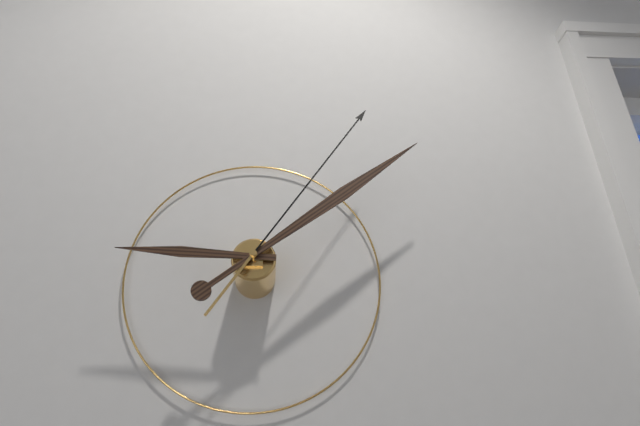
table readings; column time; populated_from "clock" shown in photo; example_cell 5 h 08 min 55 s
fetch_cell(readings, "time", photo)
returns 9 h 09 min 06 s
